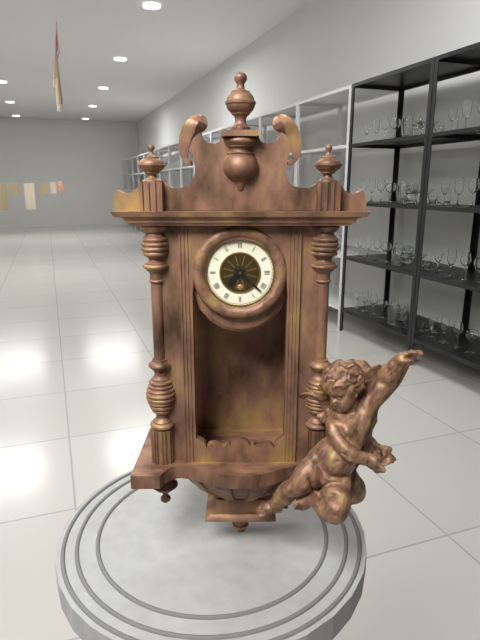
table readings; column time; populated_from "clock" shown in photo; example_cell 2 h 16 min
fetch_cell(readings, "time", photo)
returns 7 h 22 min
